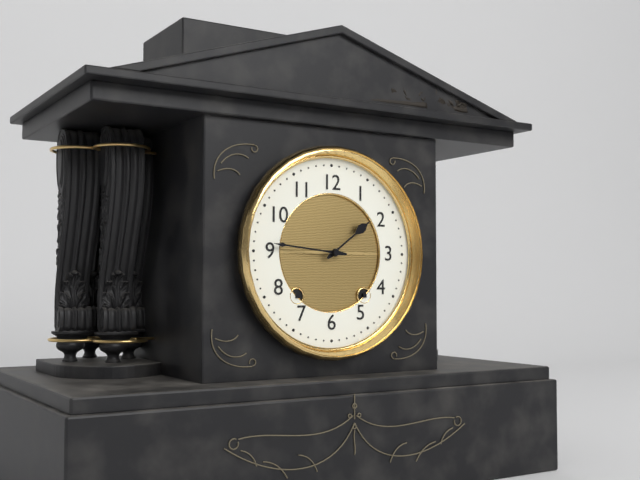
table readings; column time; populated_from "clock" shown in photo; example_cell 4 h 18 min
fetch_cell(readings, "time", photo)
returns 1 h 46 min
